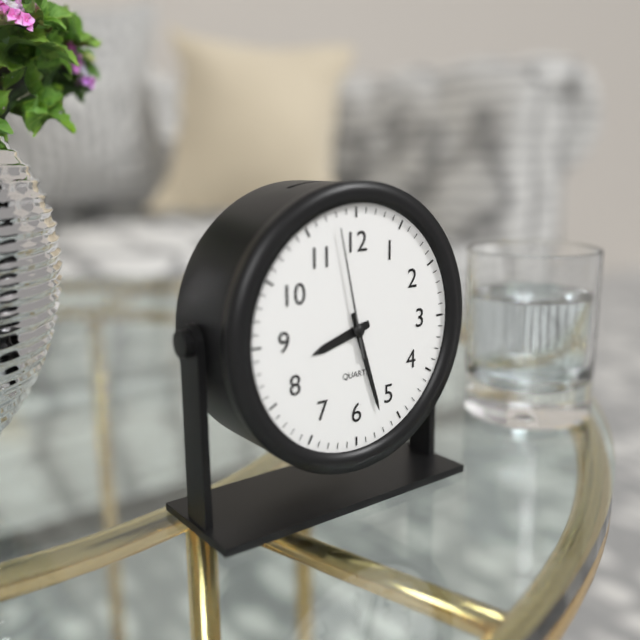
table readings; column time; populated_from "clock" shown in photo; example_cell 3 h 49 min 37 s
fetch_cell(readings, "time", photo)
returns 8 h 27 min 58 s
